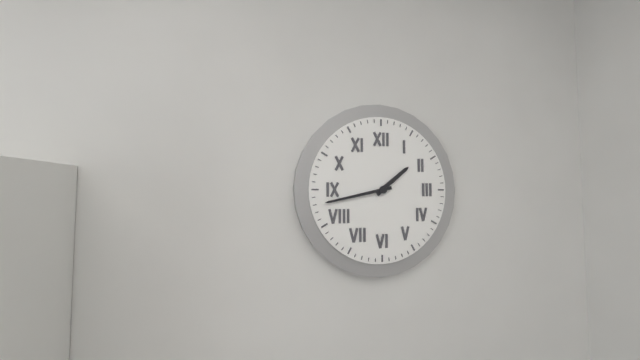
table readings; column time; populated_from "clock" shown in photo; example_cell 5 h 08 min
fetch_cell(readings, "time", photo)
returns 1 h 43 min
